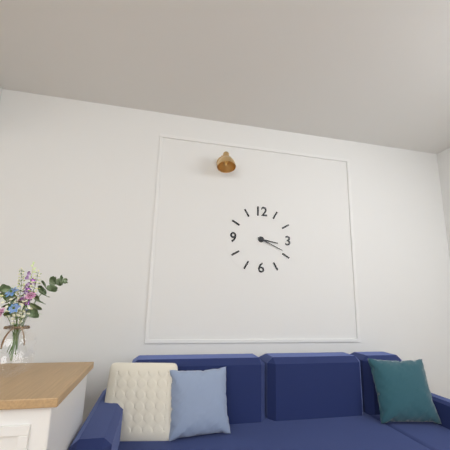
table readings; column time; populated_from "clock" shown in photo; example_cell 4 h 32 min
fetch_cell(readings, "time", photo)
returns 3 h 19 min
